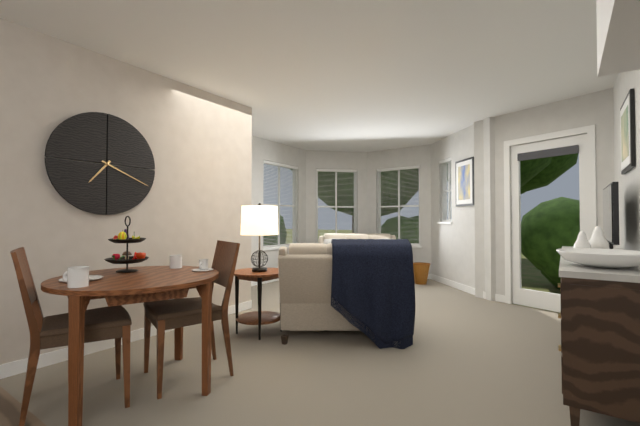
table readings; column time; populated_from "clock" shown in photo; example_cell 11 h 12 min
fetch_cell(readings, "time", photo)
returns 7 h 19 min
